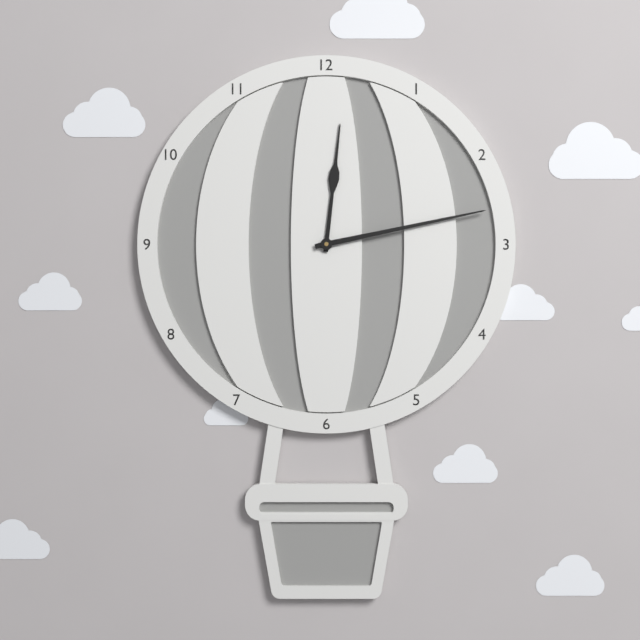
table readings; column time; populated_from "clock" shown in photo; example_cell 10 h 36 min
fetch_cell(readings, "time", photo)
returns 12 h 13 min
